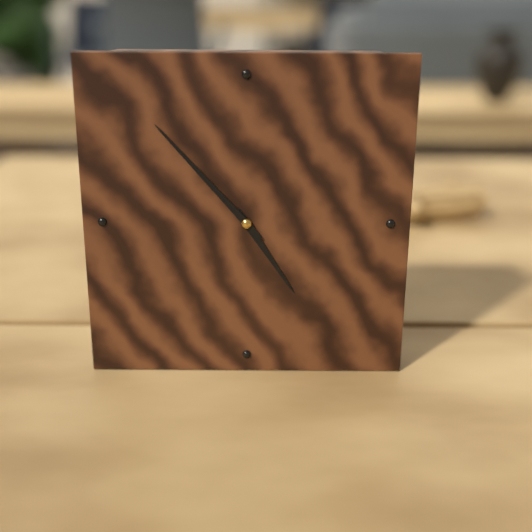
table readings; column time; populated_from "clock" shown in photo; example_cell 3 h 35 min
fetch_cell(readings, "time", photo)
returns 4 h 53 min
